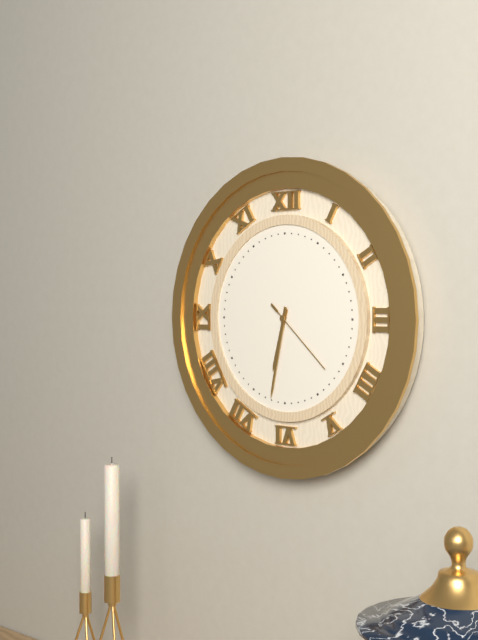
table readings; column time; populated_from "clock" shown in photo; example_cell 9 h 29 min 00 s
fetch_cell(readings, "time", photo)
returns 6 h 32 min 22 s
